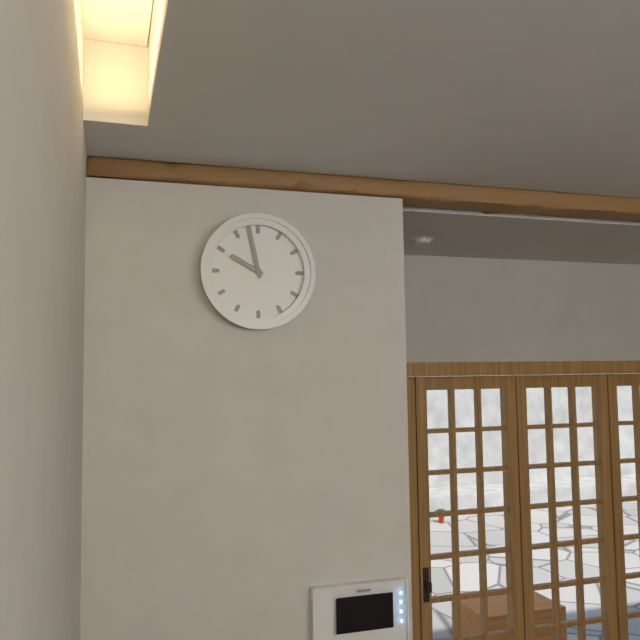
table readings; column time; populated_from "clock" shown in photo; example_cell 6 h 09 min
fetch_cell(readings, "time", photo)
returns 9 h 58 min
